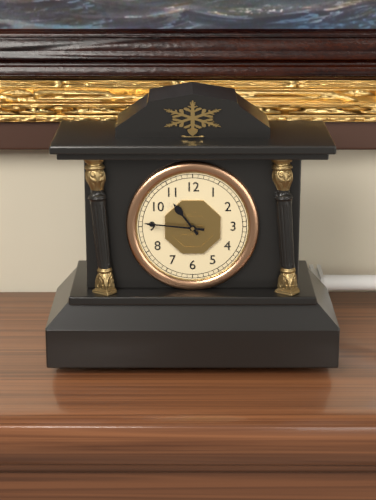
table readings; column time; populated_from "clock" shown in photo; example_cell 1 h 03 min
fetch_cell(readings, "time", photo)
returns 10 h 46 min
